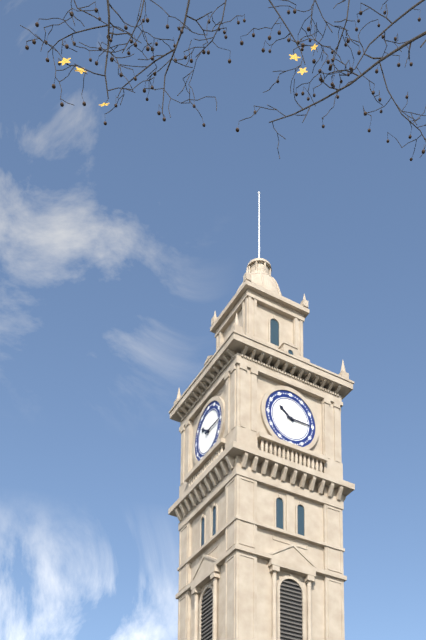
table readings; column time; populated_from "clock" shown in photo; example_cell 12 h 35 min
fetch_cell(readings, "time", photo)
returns 10 h 15 min
